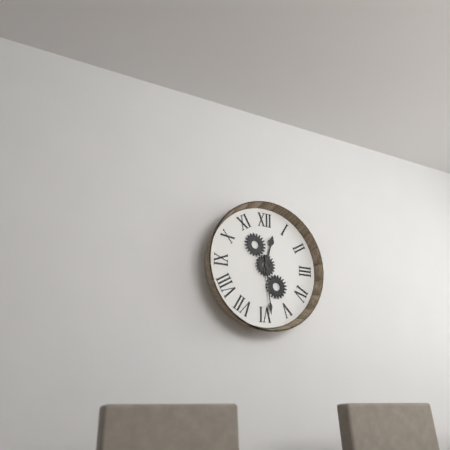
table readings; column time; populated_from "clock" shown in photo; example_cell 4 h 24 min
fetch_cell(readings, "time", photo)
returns 12 h 29 min
